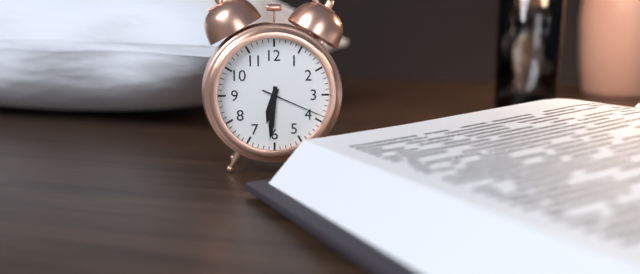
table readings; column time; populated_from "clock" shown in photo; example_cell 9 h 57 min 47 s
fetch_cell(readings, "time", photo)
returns 6 h 31 min 19 s
